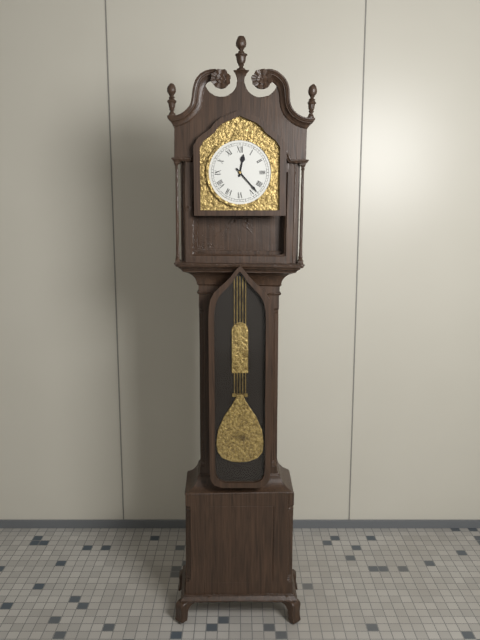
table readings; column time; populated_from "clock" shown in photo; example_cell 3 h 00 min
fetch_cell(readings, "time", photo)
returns 12 h 23 min
